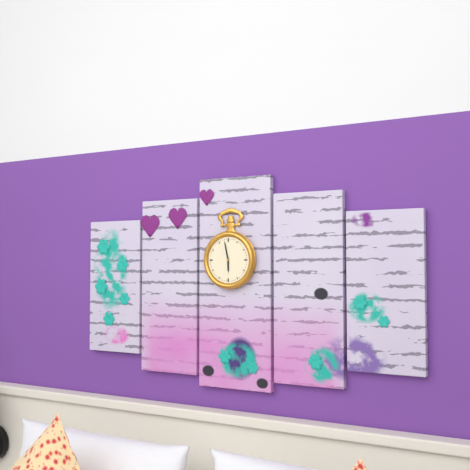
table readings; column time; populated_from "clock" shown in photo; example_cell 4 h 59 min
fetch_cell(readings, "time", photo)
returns 5 h 58 min
